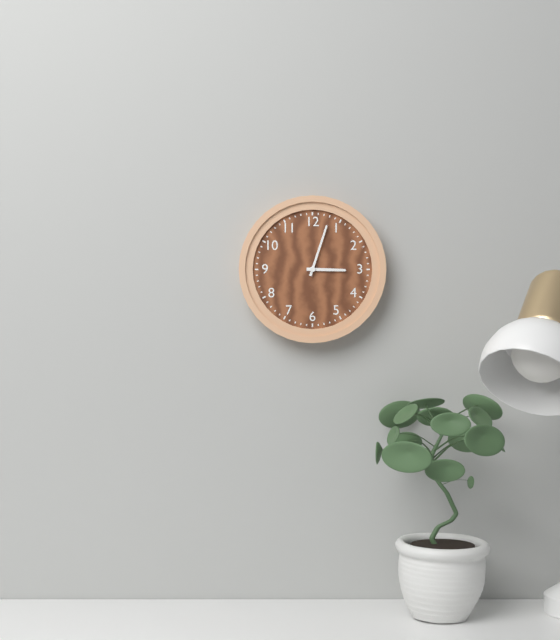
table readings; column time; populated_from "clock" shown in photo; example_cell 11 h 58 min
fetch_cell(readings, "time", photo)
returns 3 h 03 min
